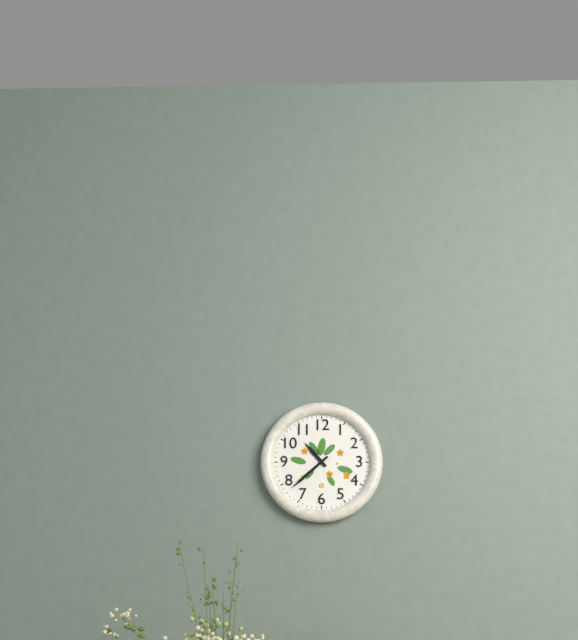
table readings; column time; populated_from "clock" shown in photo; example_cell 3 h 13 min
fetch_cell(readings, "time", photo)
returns 10 h 38 min
